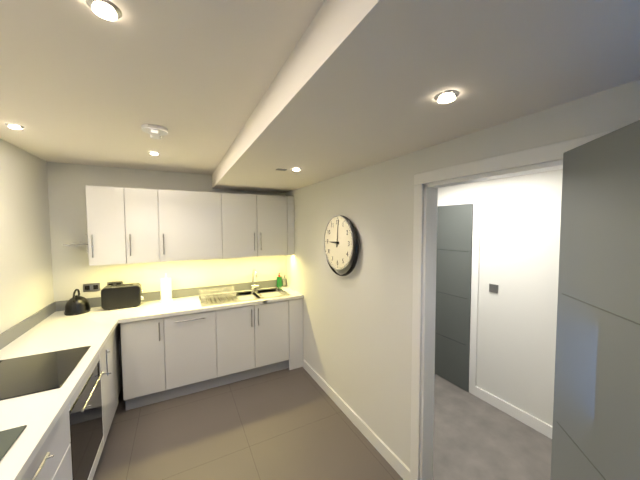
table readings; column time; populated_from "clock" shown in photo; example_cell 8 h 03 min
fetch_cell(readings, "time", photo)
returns 9 h 01 min
